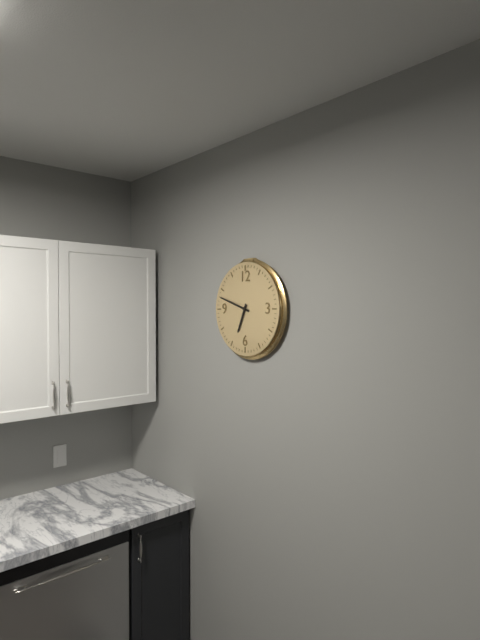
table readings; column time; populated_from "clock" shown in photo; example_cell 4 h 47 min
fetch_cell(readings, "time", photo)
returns 6 h 48 min
